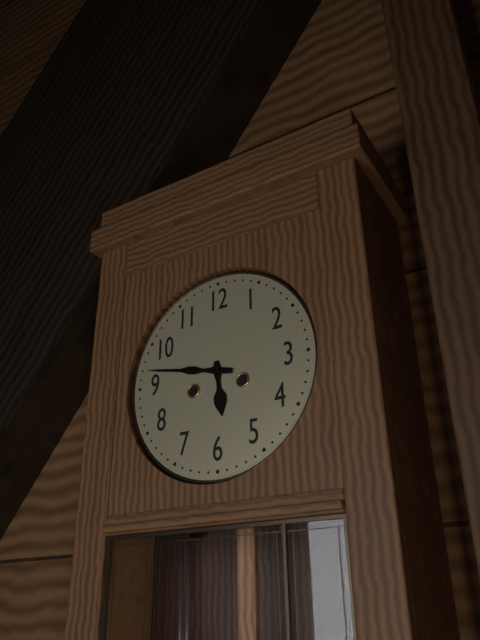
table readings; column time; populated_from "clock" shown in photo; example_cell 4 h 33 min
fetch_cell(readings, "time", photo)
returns 5 h 47 min
